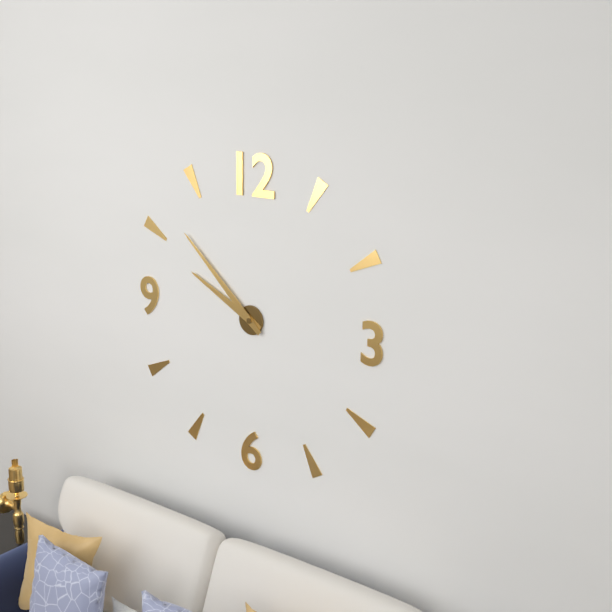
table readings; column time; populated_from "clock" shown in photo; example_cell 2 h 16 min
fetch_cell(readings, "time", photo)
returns 9 h 52 min
